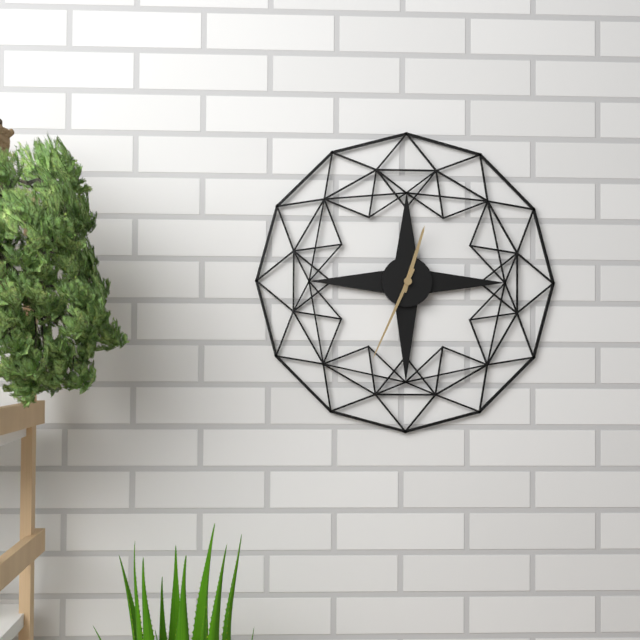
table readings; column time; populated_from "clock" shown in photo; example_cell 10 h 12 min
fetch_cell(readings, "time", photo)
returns 12 h 34 min
